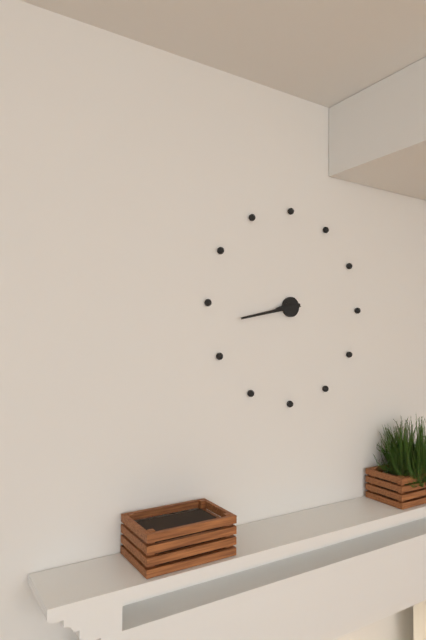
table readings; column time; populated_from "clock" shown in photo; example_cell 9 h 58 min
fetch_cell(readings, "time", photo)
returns 8 h 43 min
